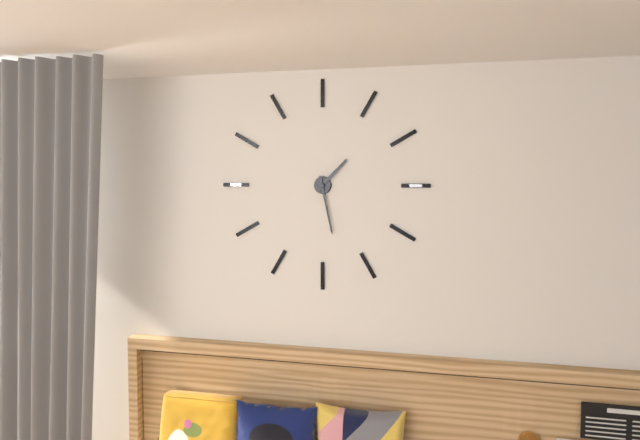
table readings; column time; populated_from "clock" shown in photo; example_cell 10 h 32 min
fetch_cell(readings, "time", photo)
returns 1 h 28 min
